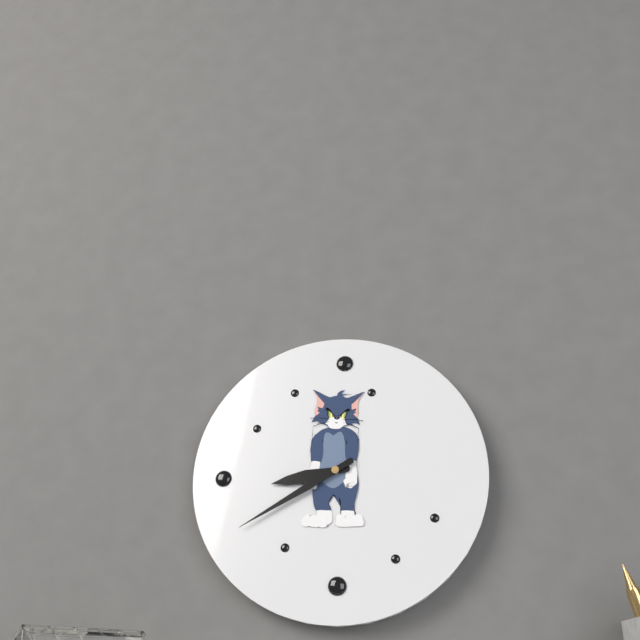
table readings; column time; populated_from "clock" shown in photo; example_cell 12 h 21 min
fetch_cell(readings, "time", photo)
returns 8 h 40 min
